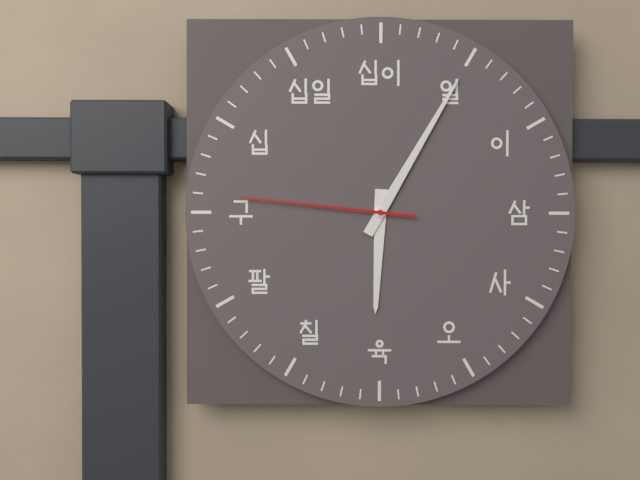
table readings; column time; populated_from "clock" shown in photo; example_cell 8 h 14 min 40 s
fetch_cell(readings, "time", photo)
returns 6 h 05 min 46 s
